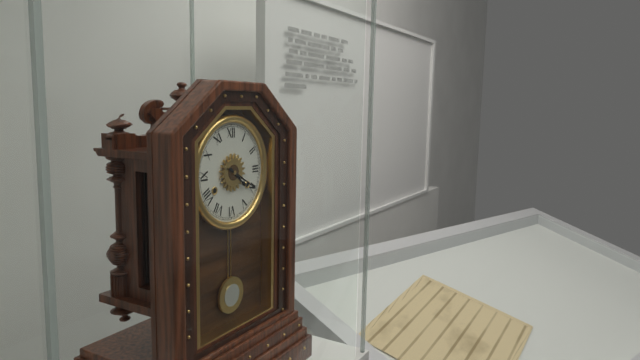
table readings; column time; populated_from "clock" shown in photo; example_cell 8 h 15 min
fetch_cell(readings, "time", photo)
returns 4 h 20 min
